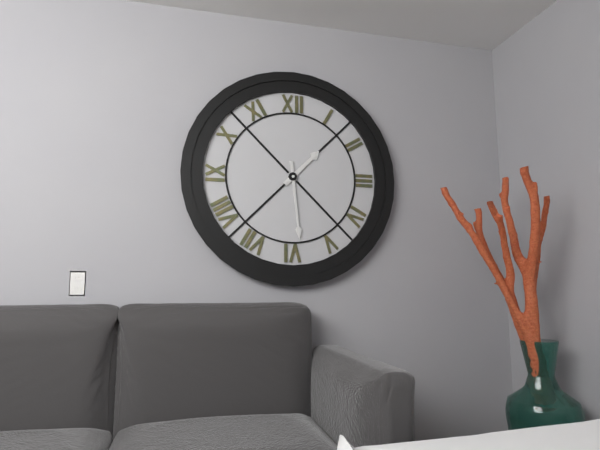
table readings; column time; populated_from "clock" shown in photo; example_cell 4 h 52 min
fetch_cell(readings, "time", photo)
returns 1 h 29 min
